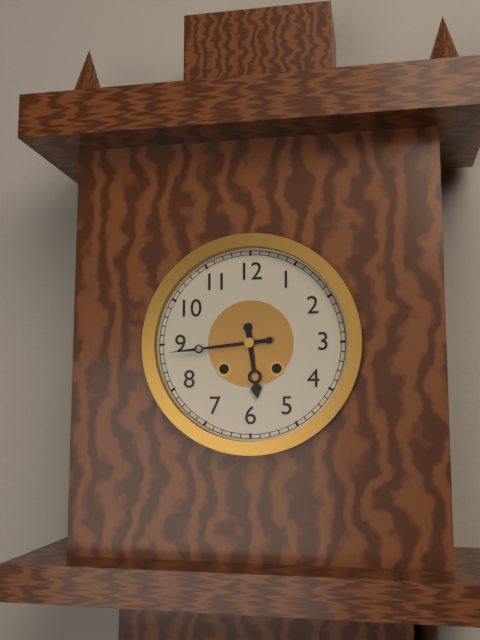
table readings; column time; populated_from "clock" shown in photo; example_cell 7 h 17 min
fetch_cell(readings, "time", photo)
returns 5 h 44 min
